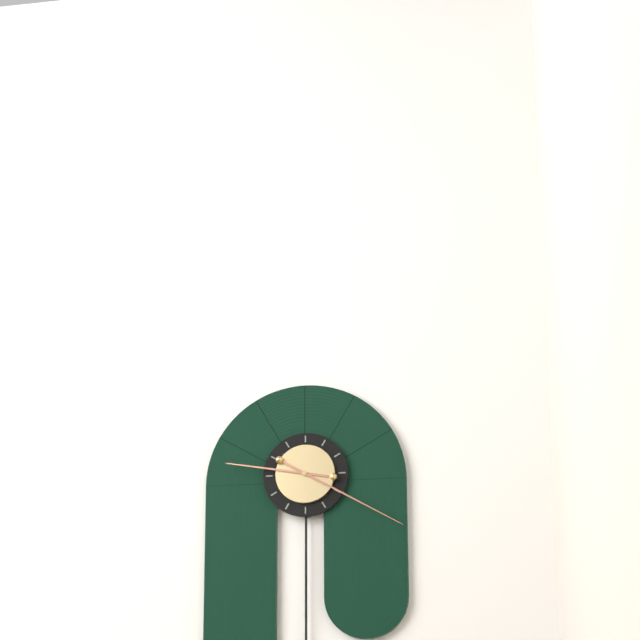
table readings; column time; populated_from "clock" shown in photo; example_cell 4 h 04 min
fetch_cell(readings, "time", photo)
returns 9 h 20 min
